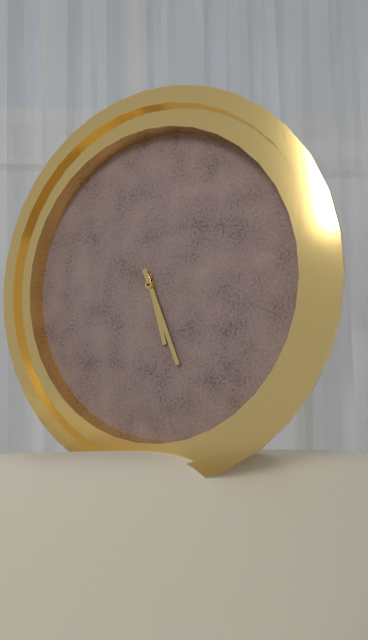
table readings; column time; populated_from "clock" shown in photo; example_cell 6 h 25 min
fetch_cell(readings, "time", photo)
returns 5 h 26 min
